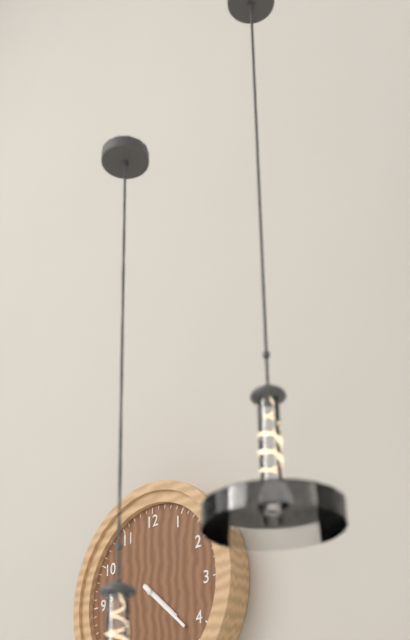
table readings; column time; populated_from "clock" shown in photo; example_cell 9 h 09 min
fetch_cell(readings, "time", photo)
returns 4 h 22 min
